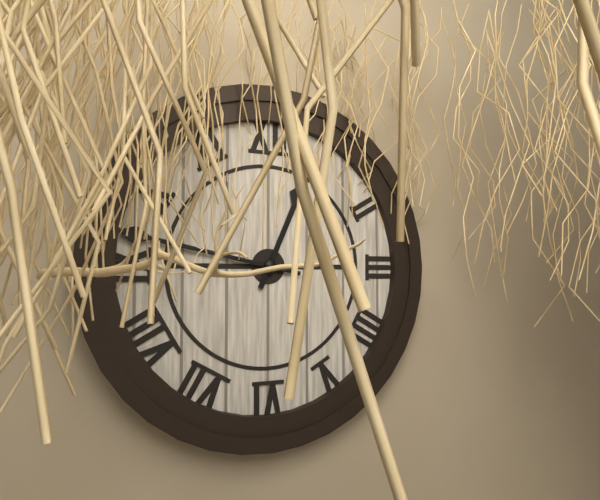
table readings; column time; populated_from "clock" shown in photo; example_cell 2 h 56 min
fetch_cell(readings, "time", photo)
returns 12 h 47 min
